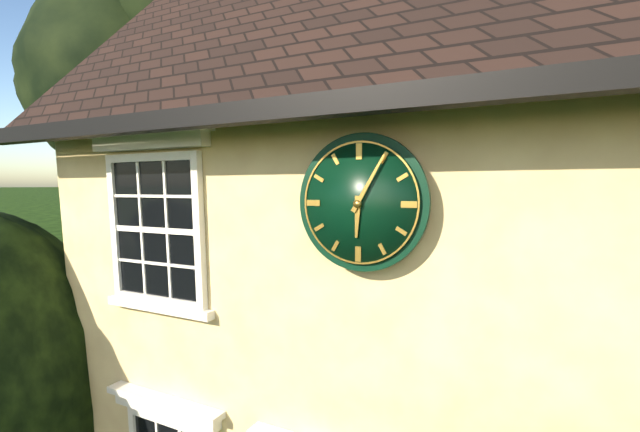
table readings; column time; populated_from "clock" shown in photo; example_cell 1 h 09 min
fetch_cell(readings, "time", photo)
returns 6 h 05 min
